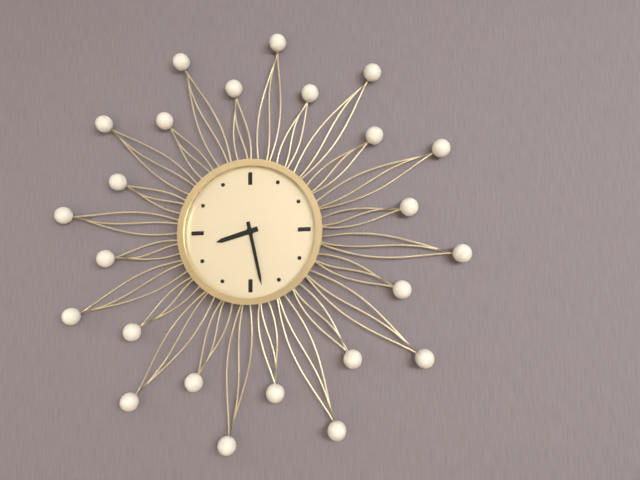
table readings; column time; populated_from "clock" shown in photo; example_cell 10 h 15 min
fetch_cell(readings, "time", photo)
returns 8 h 28 min
